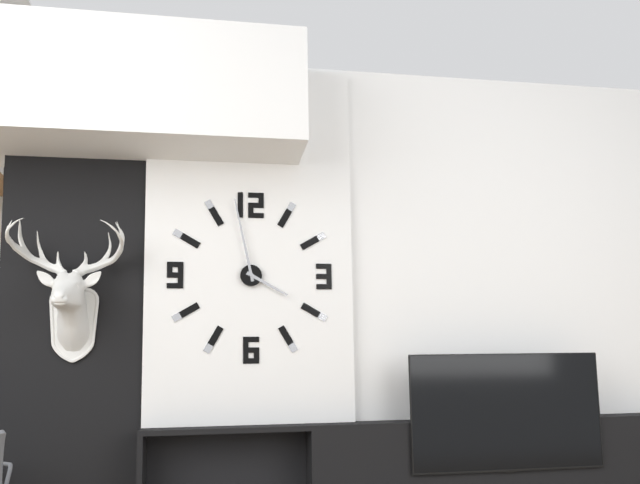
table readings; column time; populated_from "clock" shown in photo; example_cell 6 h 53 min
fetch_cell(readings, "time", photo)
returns 3 h 58 min
